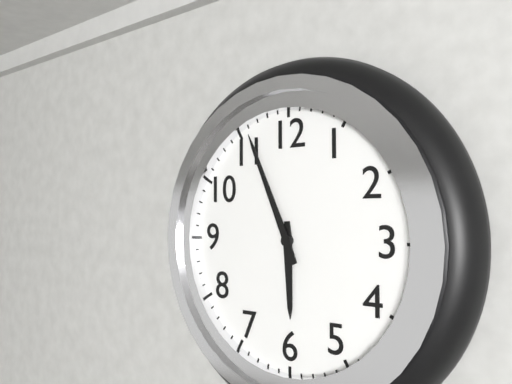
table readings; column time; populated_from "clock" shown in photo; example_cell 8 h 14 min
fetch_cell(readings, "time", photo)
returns 5 h 56 min
